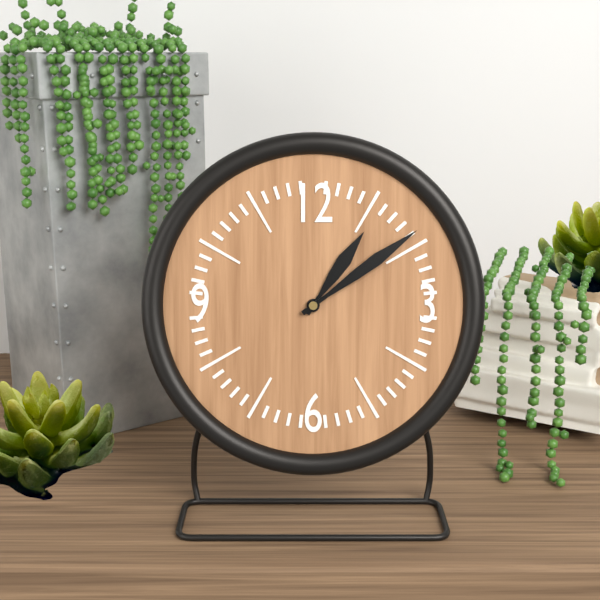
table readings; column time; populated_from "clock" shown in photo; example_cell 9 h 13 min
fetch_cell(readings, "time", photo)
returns 1 h 09 min
